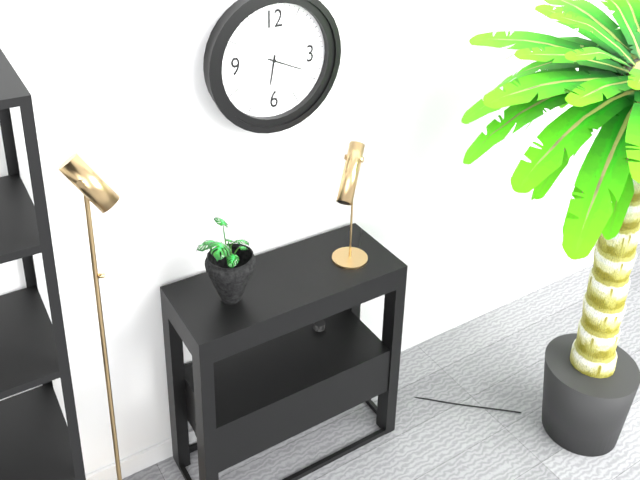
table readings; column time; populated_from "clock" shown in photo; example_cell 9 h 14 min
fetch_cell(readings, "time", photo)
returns 6 h 19 min
